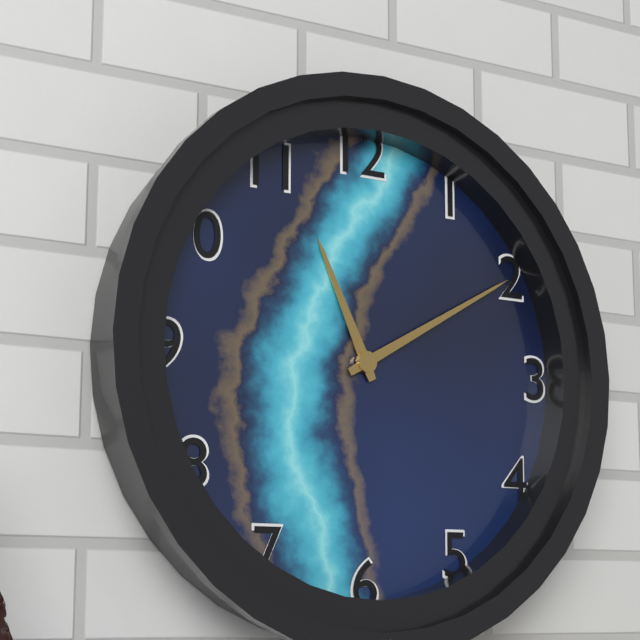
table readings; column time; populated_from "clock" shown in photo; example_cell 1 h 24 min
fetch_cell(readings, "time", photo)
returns 11 h 10 min
